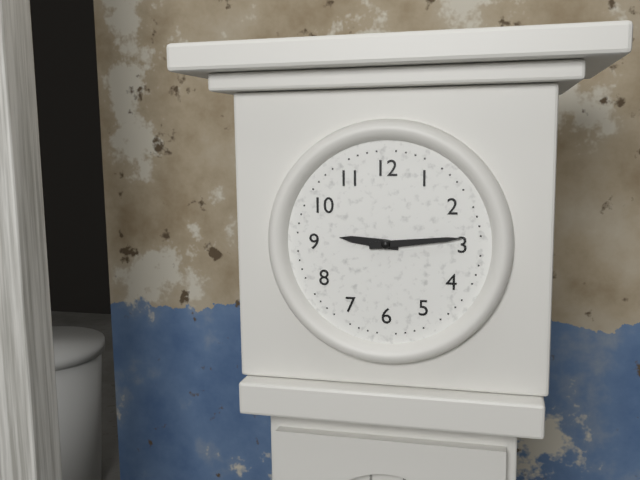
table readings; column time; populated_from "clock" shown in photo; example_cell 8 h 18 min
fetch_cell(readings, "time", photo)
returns 9 h 14 min
